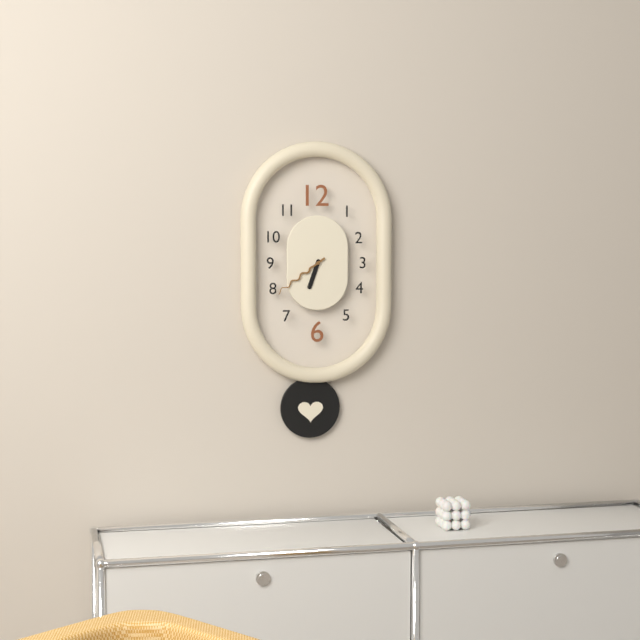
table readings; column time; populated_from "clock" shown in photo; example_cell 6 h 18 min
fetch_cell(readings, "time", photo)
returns 6 h 39 min
